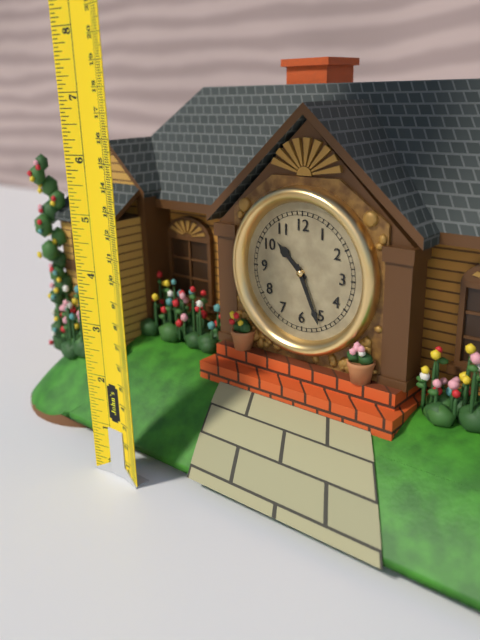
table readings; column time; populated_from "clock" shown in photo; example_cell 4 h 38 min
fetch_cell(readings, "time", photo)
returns 10 h 26 min
